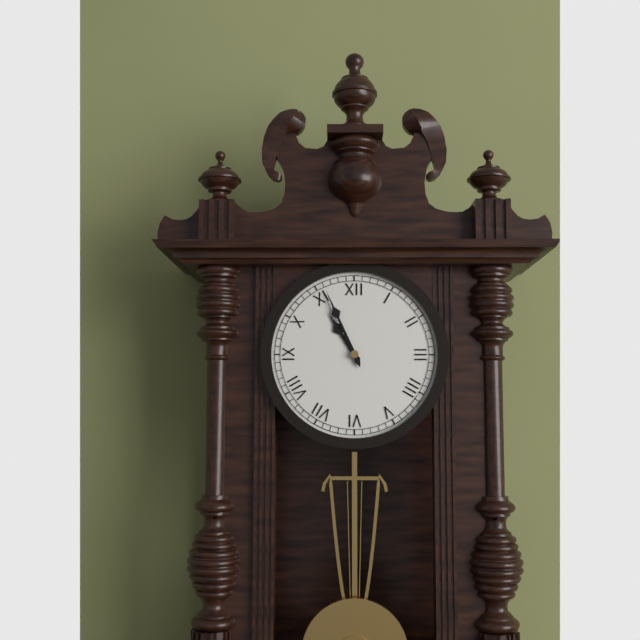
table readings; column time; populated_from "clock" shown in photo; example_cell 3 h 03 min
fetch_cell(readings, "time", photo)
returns 10 h 56 min
